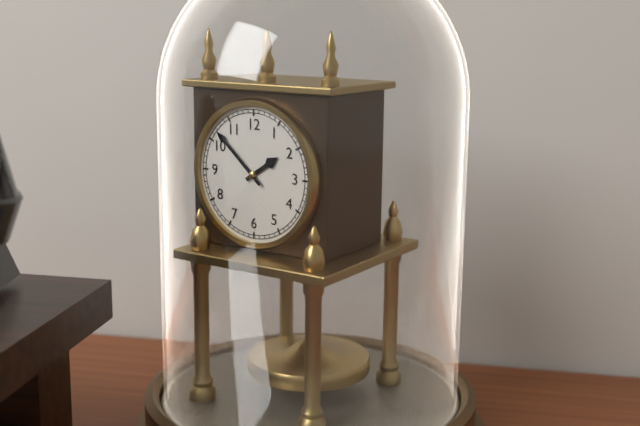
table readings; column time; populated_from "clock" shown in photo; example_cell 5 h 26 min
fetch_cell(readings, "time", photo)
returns 1 h 52 min
